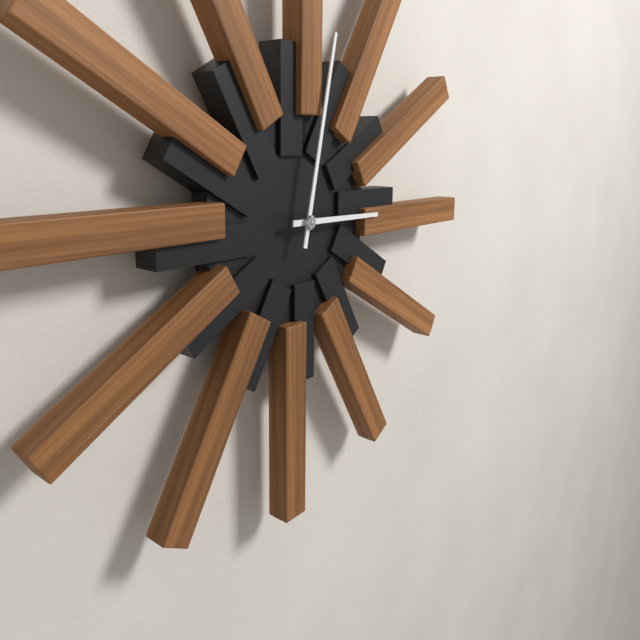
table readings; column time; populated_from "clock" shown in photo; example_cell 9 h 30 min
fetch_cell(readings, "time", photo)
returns 3 h 02 min
